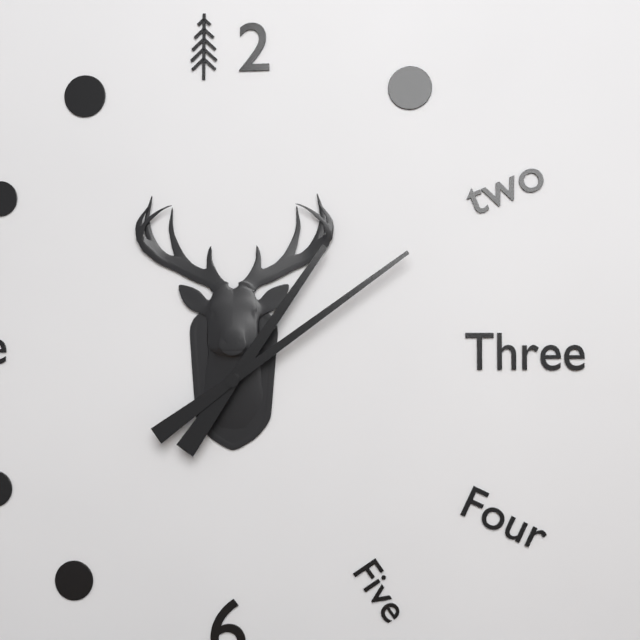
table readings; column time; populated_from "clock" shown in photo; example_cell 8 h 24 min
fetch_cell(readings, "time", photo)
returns 1 h 09 min
